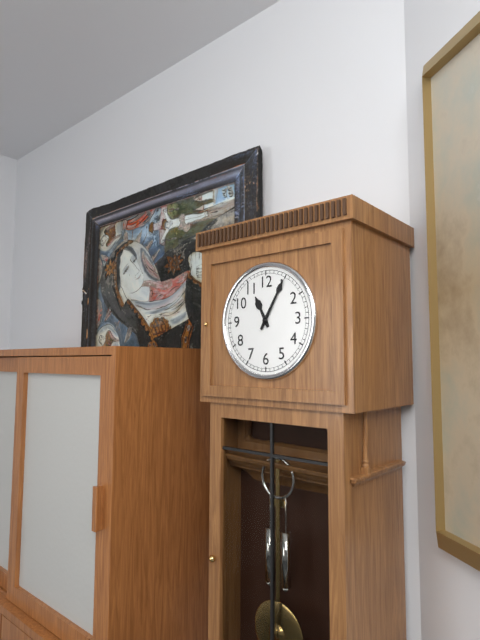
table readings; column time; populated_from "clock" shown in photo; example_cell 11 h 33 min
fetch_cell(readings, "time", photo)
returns 11 h 05 min
